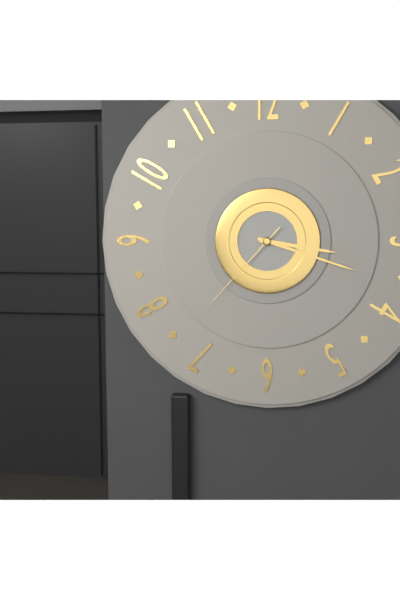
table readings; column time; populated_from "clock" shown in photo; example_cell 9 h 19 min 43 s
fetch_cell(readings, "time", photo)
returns 3 h 18 min 37 s
